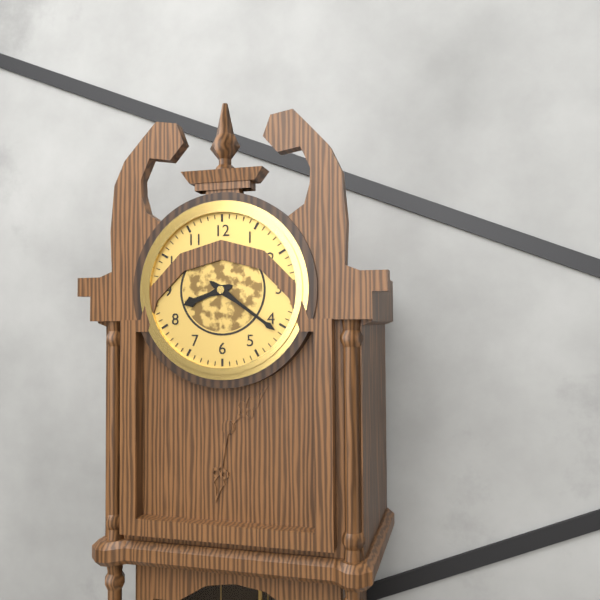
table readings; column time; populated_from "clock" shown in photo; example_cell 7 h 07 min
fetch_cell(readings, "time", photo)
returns 8 h 21 min
